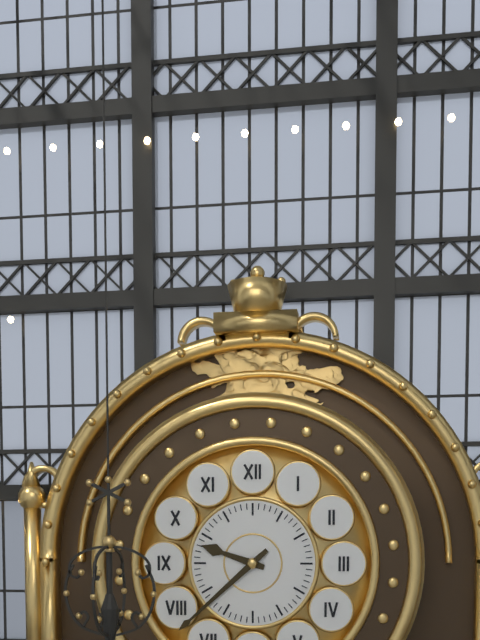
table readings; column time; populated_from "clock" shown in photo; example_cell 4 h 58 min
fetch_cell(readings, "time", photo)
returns 9 h 38 min
